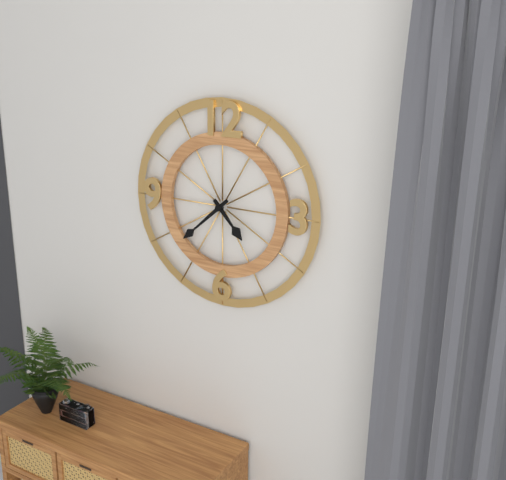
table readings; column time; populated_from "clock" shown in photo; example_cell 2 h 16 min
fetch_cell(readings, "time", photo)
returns 4 h 38 min
